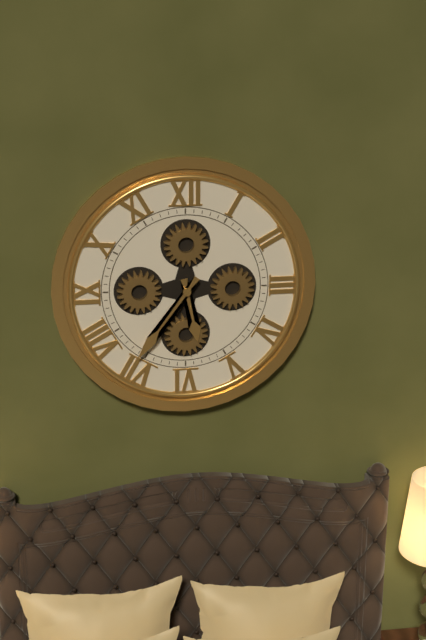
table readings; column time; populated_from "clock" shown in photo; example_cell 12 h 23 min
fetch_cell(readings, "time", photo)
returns 5 h 36 min
